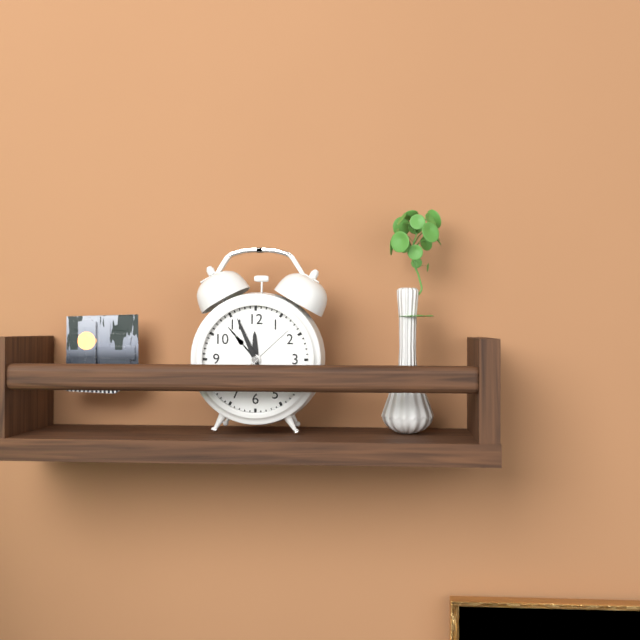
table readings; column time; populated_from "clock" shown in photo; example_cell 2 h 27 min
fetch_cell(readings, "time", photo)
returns 11 h 56 min
